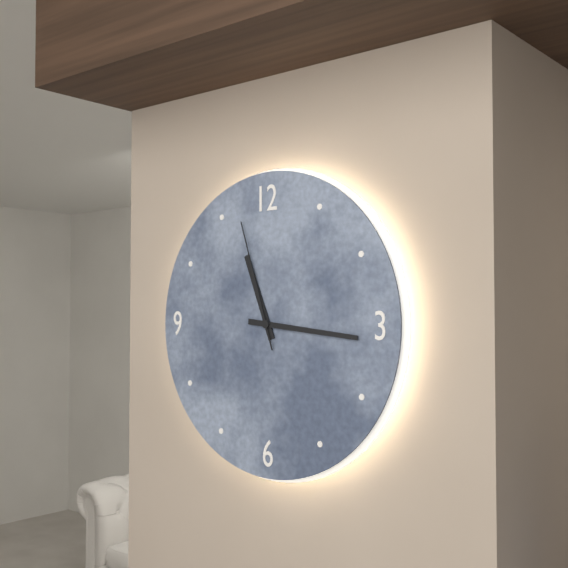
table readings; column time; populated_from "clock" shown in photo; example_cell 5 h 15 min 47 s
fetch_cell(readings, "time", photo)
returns 11 h 16 min 57 s
